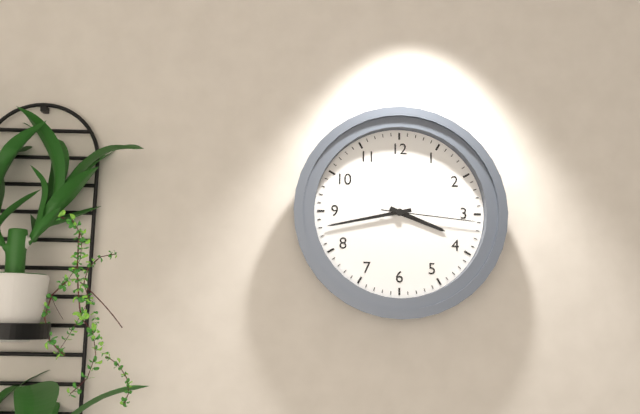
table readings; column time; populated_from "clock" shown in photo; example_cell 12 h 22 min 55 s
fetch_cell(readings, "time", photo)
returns 3 h 43 min 16 s
